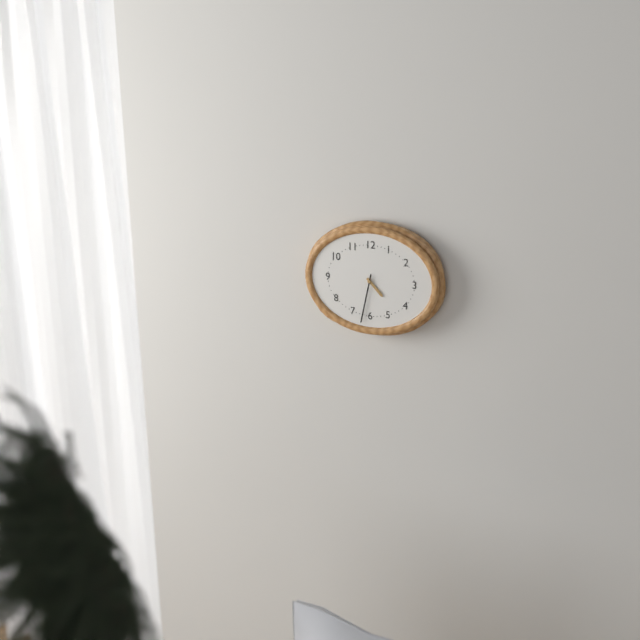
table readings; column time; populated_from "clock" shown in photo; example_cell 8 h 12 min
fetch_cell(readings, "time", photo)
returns 4 h 32 min
